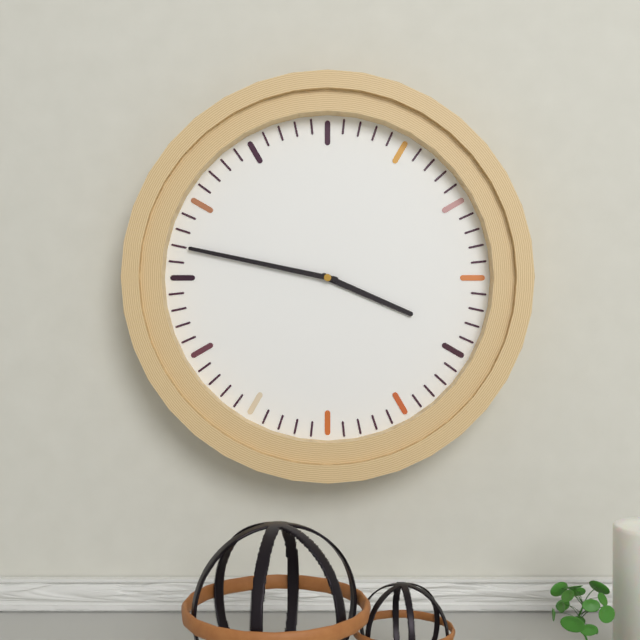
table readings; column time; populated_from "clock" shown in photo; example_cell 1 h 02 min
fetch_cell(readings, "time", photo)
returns 3 h 47 min
